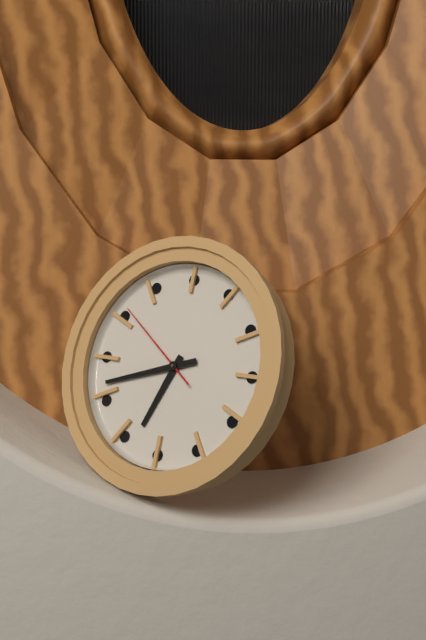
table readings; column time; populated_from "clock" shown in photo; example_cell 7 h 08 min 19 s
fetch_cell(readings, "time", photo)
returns 6 h 42 min 51 s
